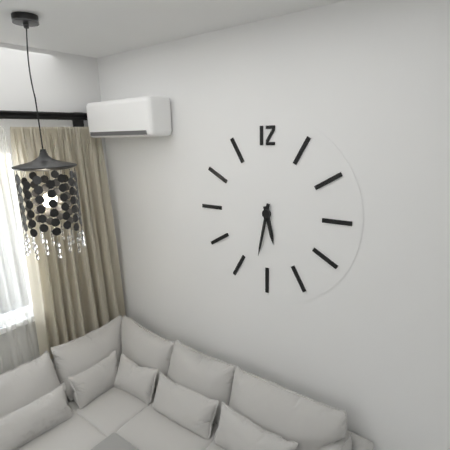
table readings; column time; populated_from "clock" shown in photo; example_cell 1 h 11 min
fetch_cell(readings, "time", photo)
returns 5 h 32 min
